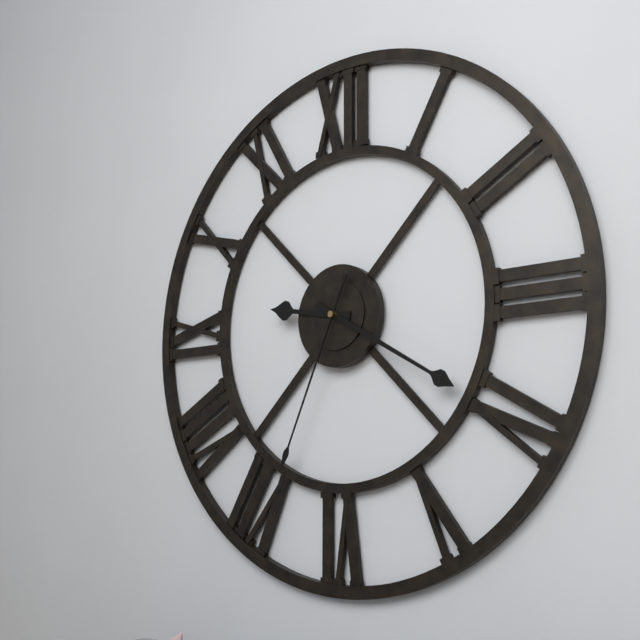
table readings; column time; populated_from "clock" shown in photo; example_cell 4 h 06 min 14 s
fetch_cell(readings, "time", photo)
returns 9 h 20 min 34 s
